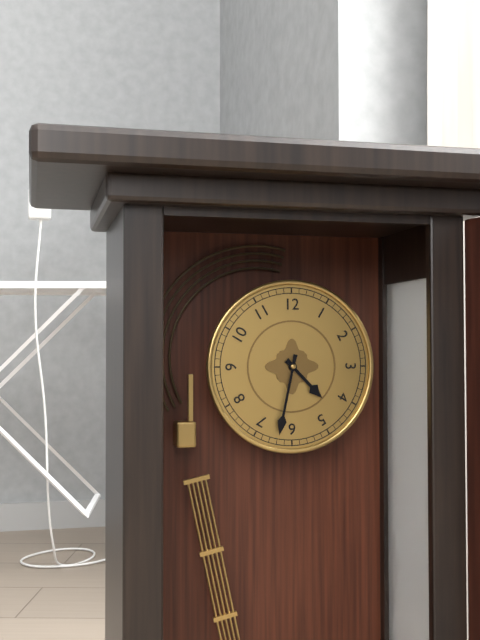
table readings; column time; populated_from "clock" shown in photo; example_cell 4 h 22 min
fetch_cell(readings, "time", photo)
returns 4 h 32 min
